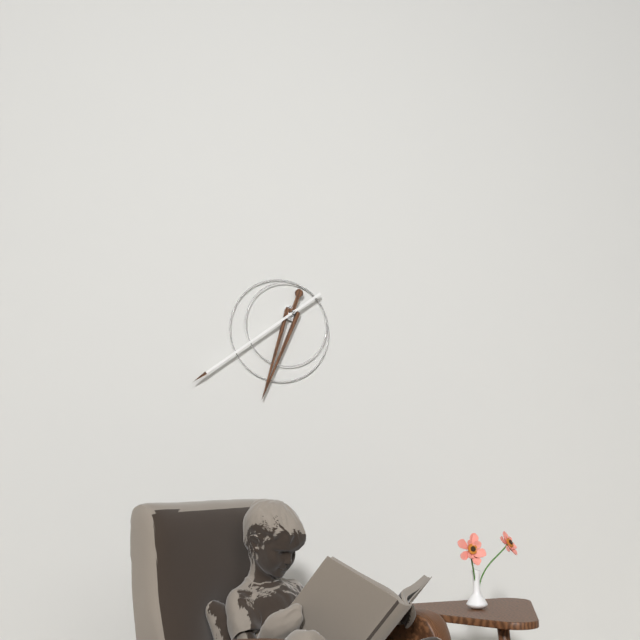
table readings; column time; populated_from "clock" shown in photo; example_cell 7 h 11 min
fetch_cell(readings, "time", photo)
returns 6 h 39 min
